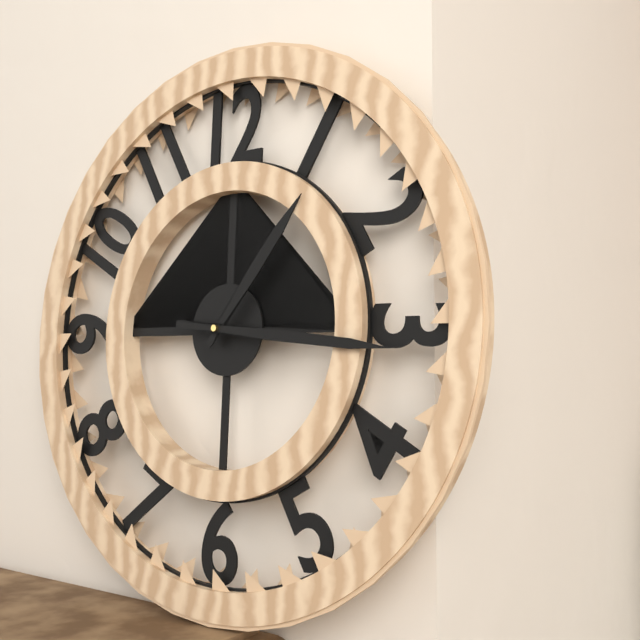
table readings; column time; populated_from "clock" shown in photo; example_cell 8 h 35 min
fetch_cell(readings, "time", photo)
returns 1 h 16 min
